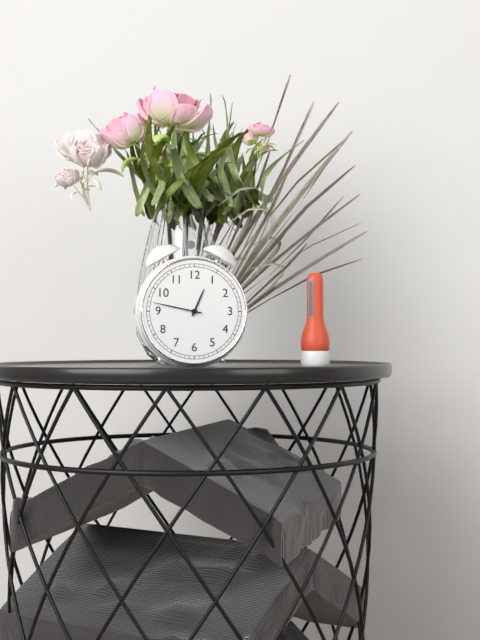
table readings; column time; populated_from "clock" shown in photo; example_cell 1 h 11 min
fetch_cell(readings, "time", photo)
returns 12 h 47 min
